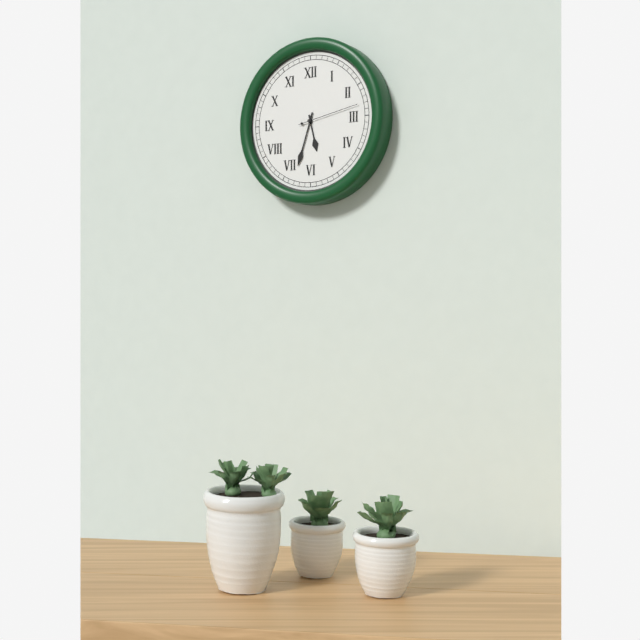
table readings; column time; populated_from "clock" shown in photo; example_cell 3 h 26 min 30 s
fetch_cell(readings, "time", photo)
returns 5 h 33 min 13 s
